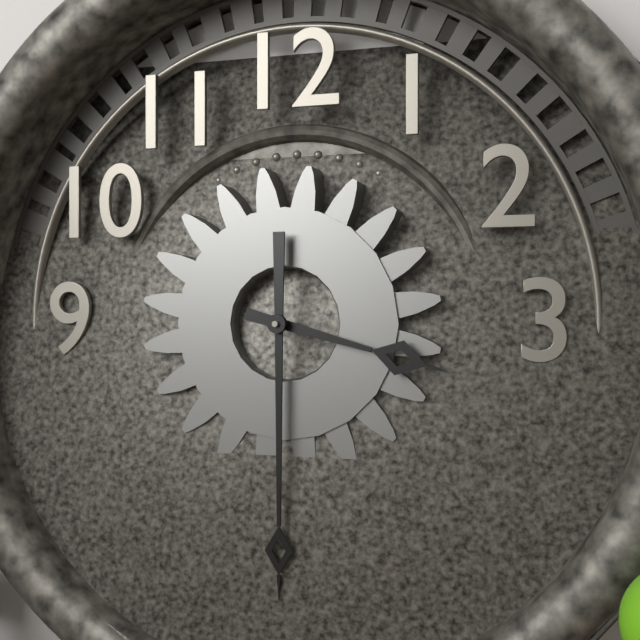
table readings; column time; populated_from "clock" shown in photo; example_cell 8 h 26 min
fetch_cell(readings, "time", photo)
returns 3 h 30 min
